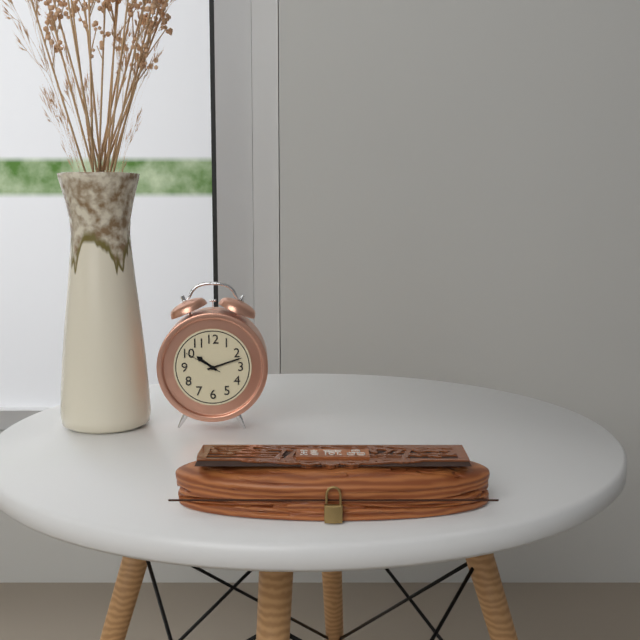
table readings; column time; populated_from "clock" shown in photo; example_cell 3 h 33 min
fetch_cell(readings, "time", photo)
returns 10 h 12 min
